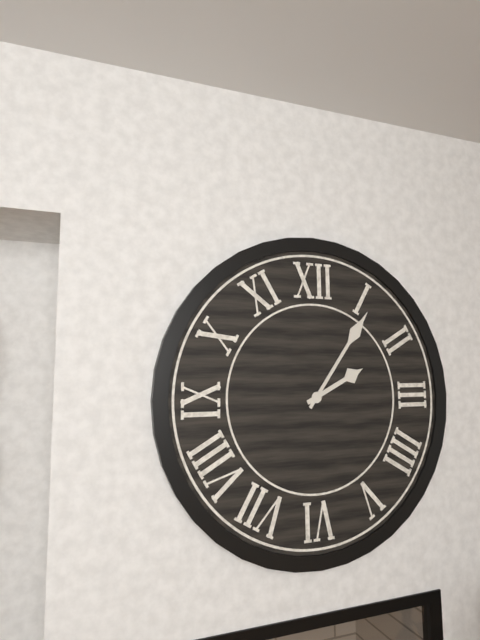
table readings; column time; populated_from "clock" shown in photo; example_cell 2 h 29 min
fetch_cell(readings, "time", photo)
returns 2 h 06 min
